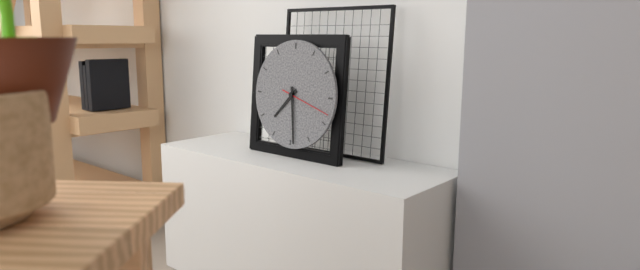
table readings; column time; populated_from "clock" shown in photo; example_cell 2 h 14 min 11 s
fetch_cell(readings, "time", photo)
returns 7 h 29 min 18 s
